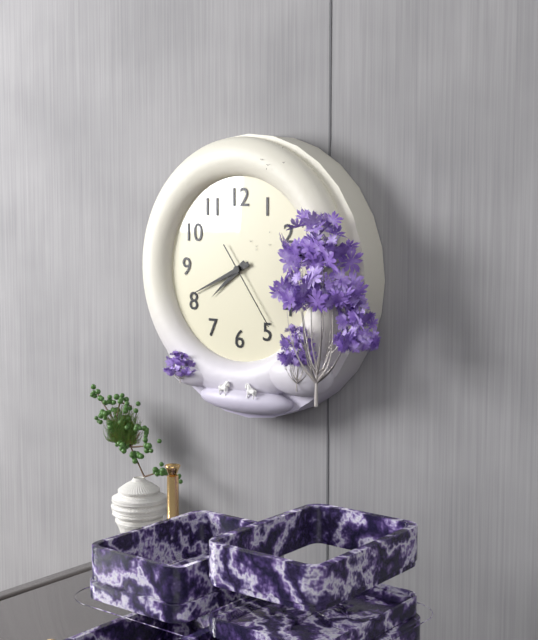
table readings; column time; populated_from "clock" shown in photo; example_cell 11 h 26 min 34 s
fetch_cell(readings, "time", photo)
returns 7 h 41 min 24 s
